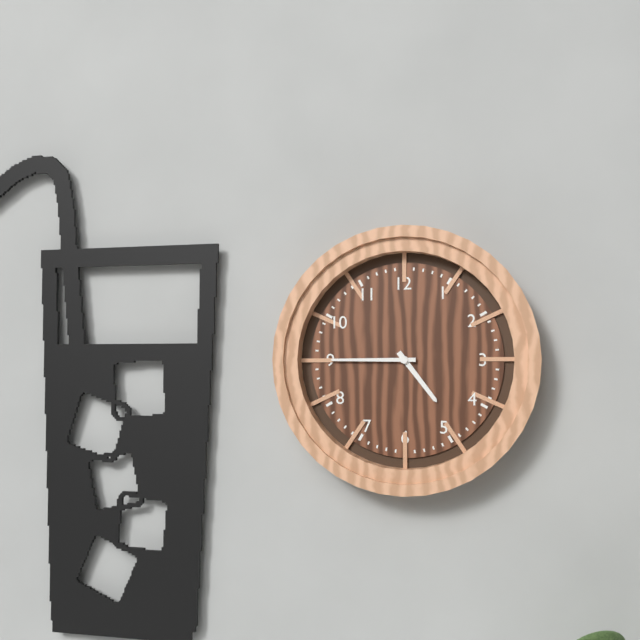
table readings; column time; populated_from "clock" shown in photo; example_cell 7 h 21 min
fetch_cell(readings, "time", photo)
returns 4 h 45 min
